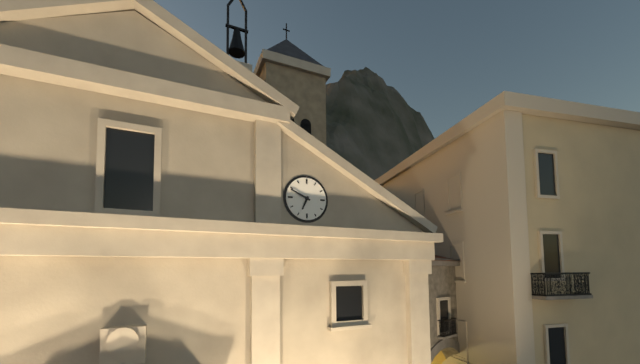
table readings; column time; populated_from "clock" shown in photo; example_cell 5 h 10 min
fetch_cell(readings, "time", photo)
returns 6 h 49 min
